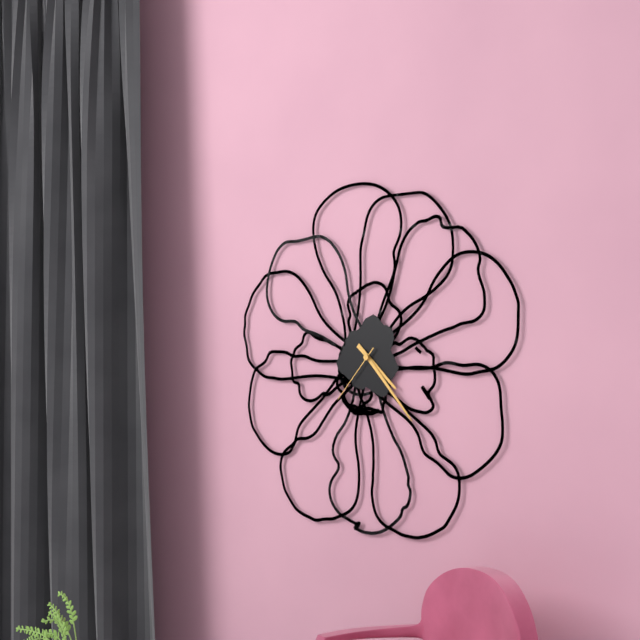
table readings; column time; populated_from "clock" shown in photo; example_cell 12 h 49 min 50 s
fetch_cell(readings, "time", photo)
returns 4 h 23 min 37 s
